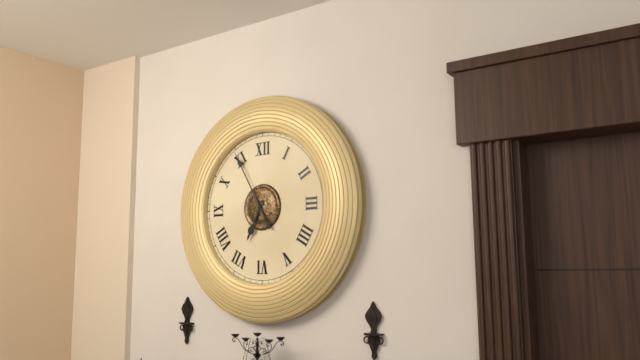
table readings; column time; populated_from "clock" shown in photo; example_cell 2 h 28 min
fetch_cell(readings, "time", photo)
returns 6 h 55 min
